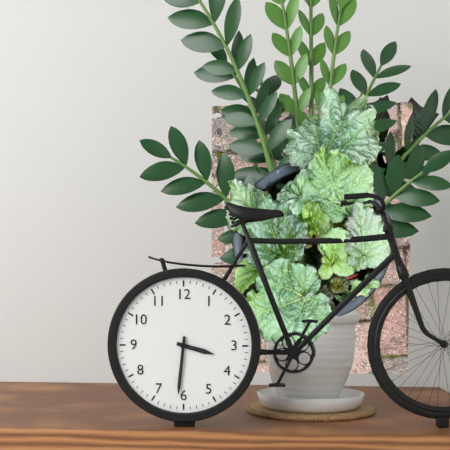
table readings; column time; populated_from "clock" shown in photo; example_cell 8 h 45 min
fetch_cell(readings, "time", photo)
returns 3 h 31 min
